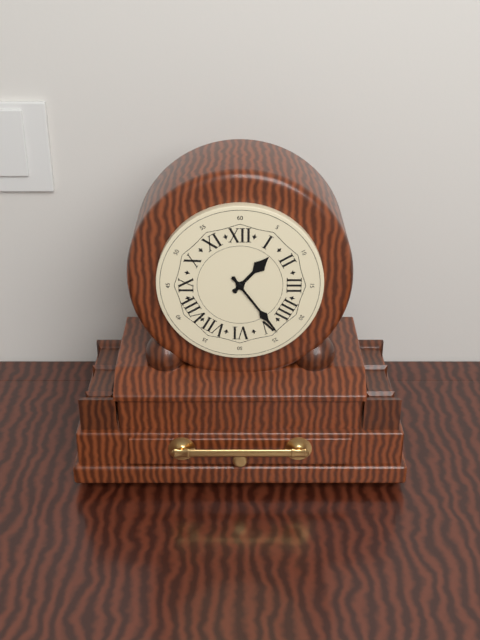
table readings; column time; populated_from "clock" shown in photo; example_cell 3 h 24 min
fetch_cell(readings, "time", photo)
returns 1 h 24 min
